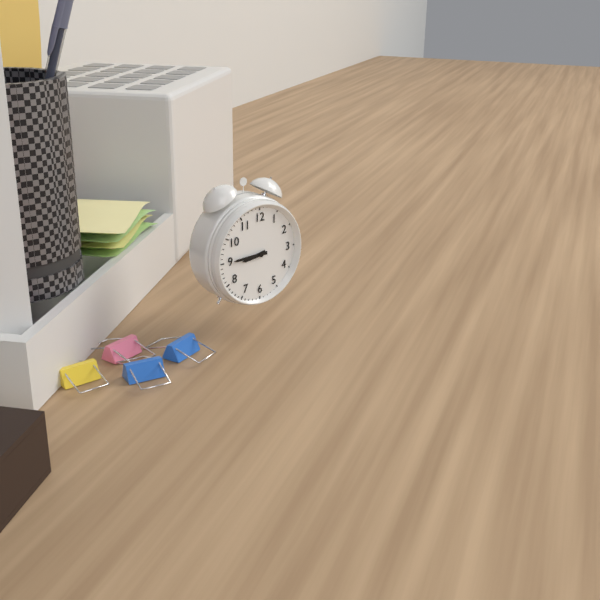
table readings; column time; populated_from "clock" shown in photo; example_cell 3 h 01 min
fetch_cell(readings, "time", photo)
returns 8 h 45 min
